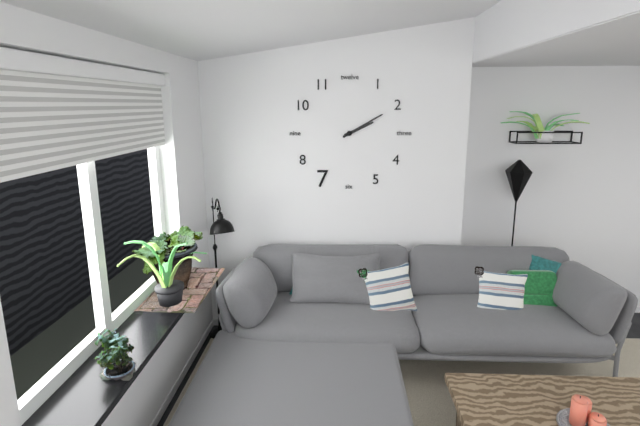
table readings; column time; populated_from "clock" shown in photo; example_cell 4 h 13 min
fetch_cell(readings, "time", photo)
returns 2 h 10 min
